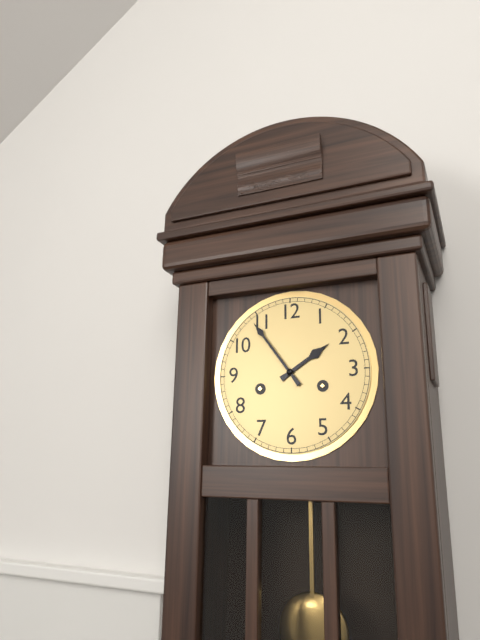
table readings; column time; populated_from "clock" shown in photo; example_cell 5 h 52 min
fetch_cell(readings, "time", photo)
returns 1 h 54 min
